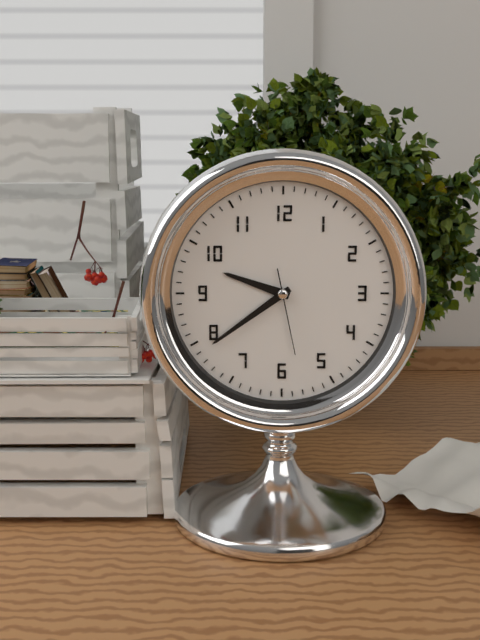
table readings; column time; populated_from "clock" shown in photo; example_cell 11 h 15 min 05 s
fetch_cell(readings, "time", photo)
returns 9 h 39 min 28 s
